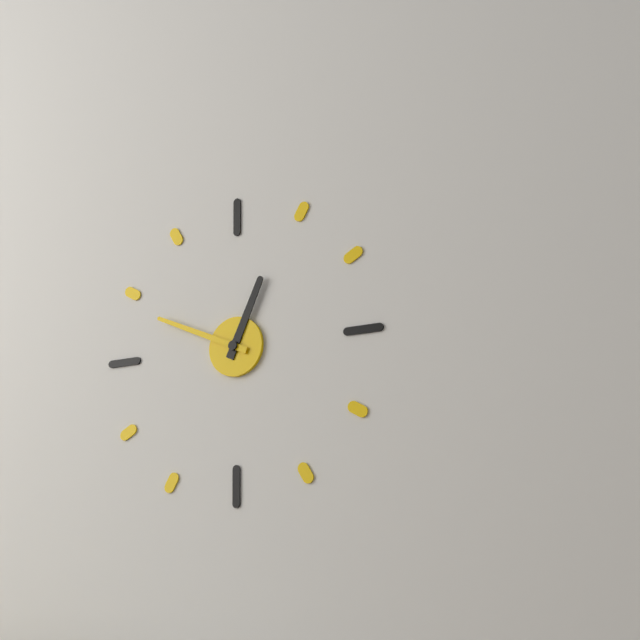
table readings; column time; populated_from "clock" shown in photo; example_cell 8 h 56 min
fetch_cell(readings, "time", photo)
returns 12 h 49 min
